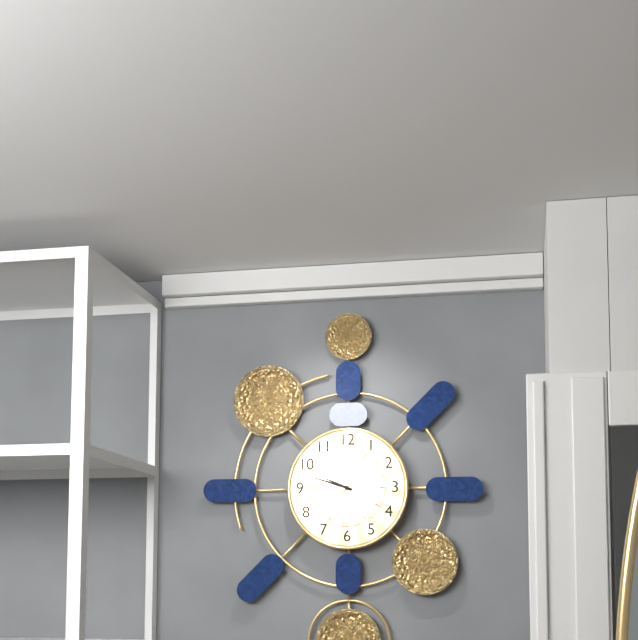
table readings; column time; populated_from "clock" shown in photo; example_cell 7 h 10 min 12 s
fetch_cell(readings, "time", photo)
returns 9 h 48 min 37 s
